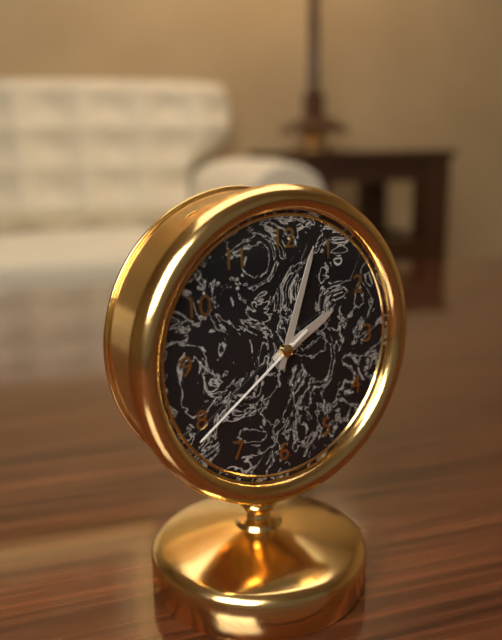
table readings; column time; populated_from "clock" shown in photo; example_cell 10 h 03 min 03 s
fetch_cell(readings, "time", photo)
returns 2 h 03 min 39 s
